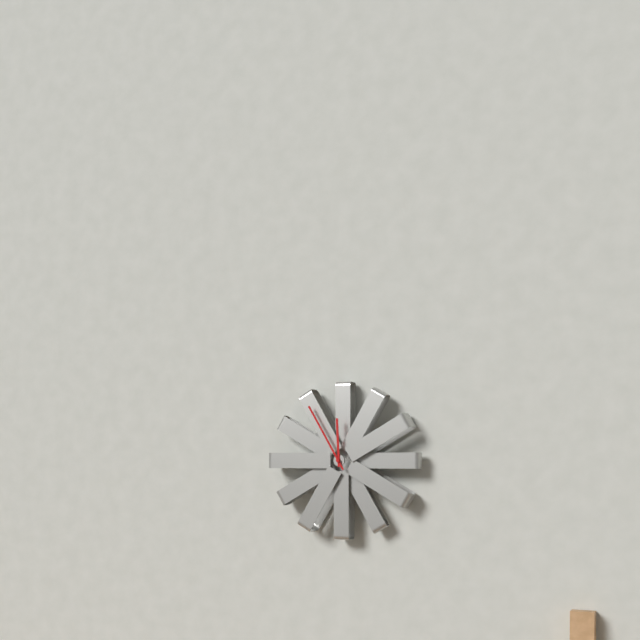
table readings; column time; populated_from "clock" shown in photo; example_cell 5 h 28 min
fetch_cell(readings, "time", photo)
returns 11 h 55 min
